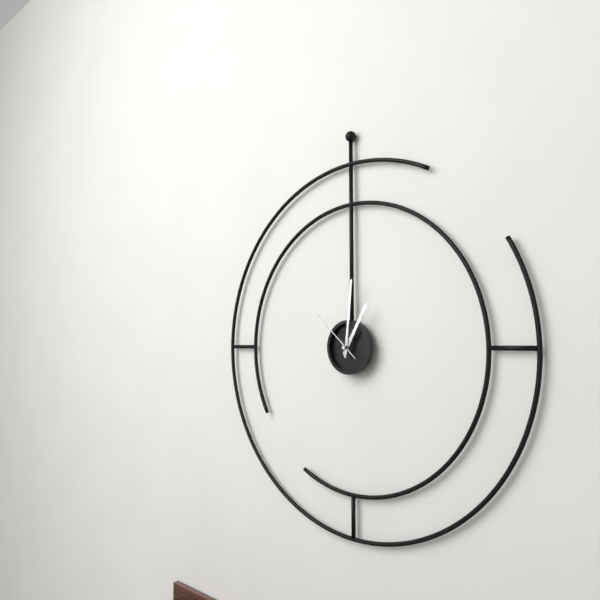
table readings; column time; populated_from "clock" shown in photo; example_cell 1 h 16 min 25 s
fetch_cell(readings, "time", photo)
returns 1 h 01 min 52 s
